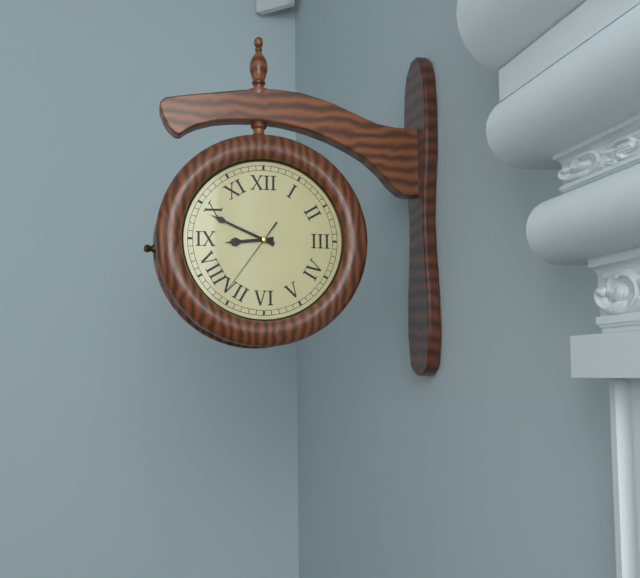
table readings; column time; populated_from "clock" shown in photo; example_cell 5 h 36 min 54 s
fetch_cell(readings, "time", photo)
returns 8 h 49 min 36 s
